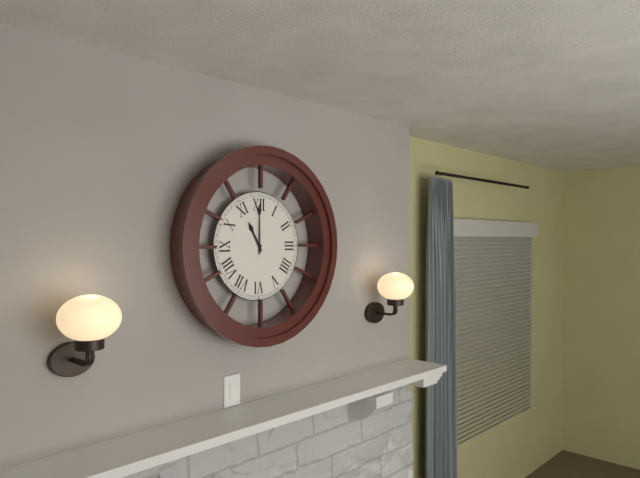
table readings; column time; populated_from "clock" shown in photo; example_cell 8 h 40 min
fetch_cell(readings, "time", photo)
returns 11 h 00 min
